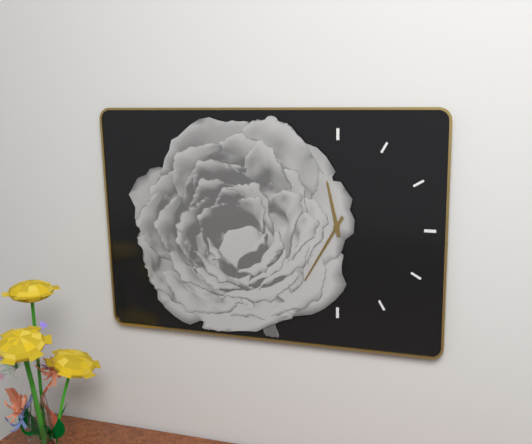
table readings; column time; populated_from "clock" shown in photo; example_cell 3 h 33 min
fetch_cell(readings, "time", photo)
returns 11 h 35 min
